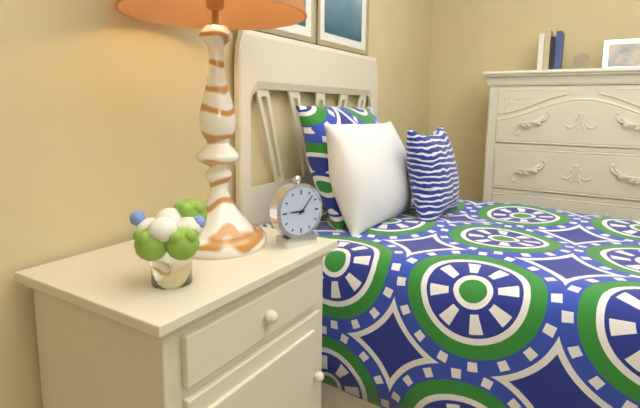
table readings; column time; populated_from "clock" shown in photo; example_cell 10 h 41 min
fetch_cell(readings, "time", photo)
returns 9 h 07 min
